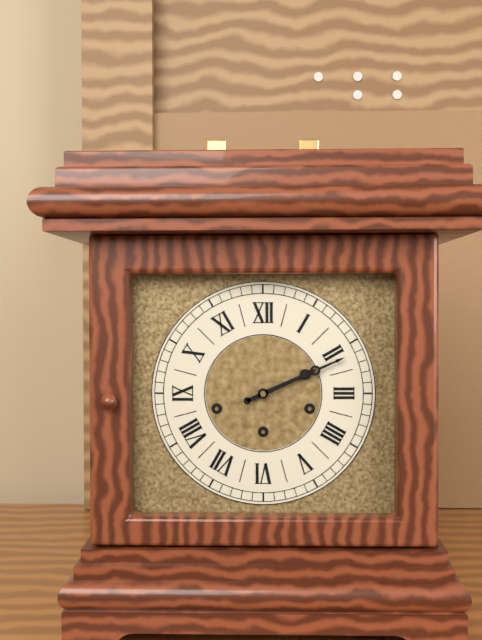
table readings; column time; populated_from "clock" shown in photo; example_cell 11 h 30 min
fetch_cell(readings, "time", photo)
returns 2 h 11 min
